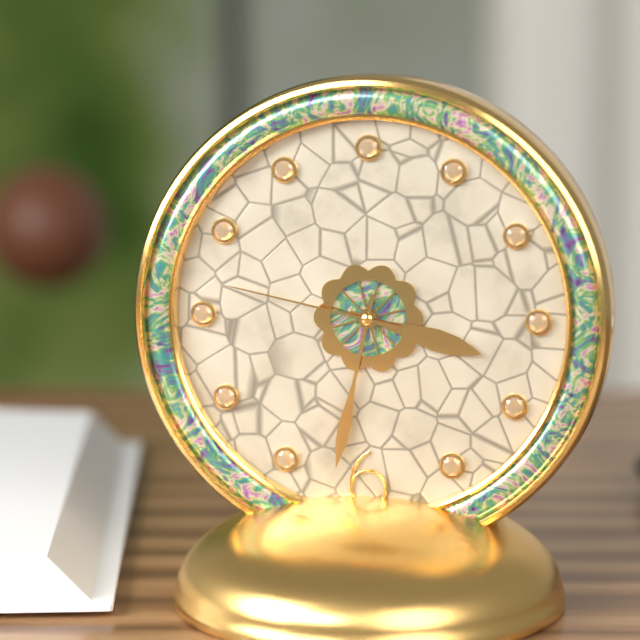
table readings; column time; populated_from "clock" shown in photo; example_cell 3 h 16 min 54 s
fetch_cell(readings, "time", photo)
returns 3 h 32 min 47 s
